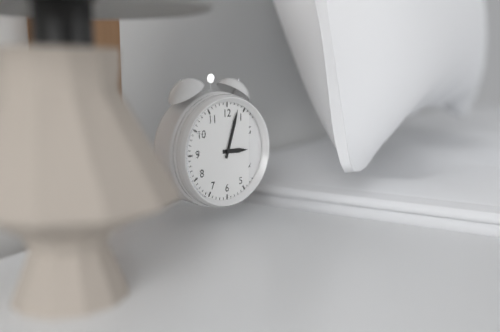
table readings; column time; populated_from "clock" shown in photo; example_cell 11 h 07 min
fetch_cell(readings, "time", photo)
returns 3 h 03 min
